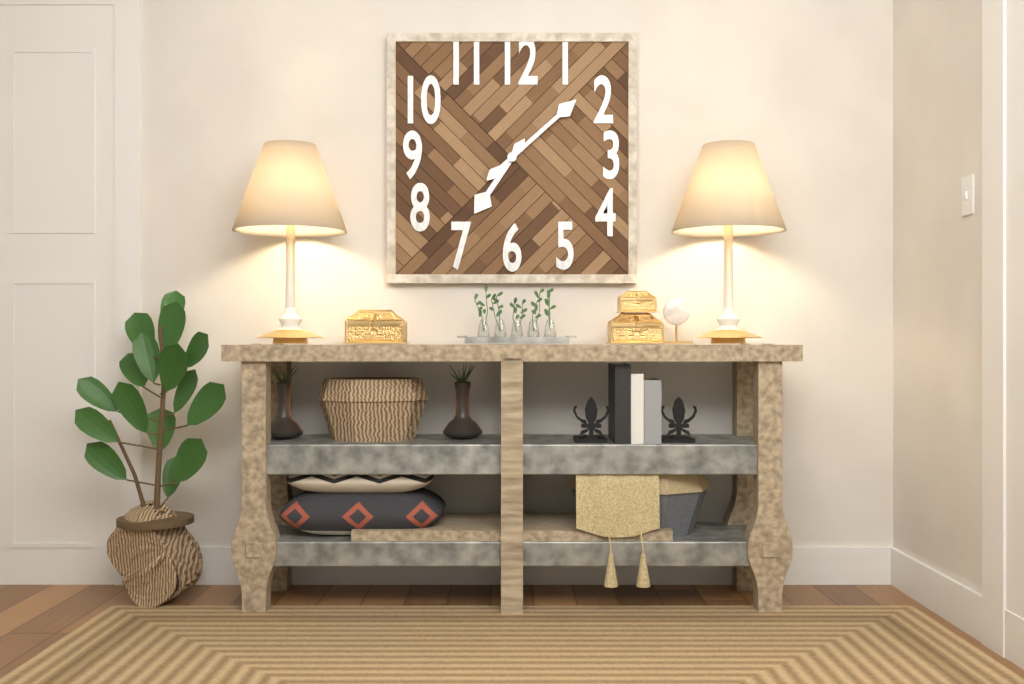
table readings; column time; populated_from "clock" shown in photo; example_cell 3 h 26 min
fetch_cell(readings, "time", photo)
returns 7 h 08 min
